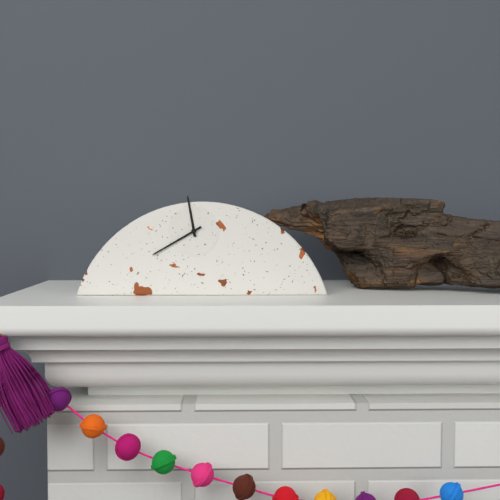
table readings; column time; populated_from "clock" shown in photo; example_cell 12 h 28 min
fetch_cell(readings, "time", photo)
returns 11 h 40 min
